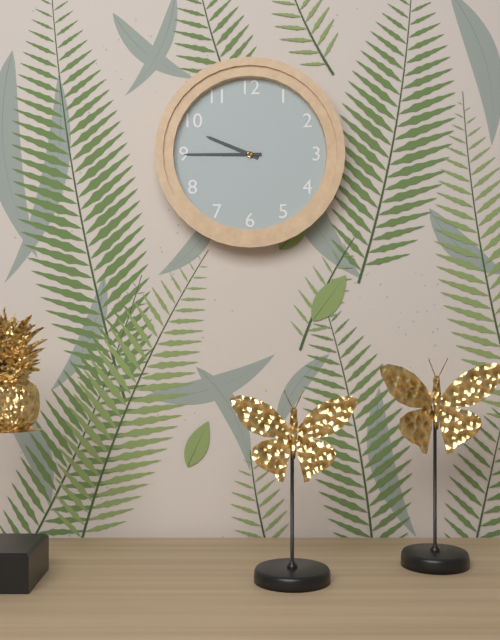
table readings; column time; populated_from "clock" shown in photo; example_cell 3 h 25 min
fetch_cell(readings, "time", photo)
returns 9 h 45 min
